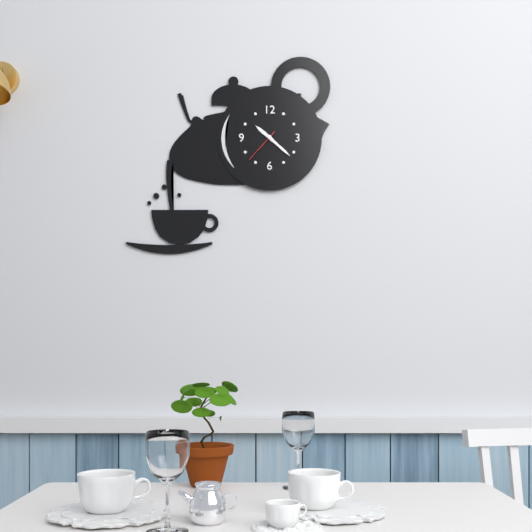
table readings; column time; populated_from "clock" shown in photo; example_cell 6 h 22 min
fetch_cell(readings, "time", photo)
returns 10 h 22 min
